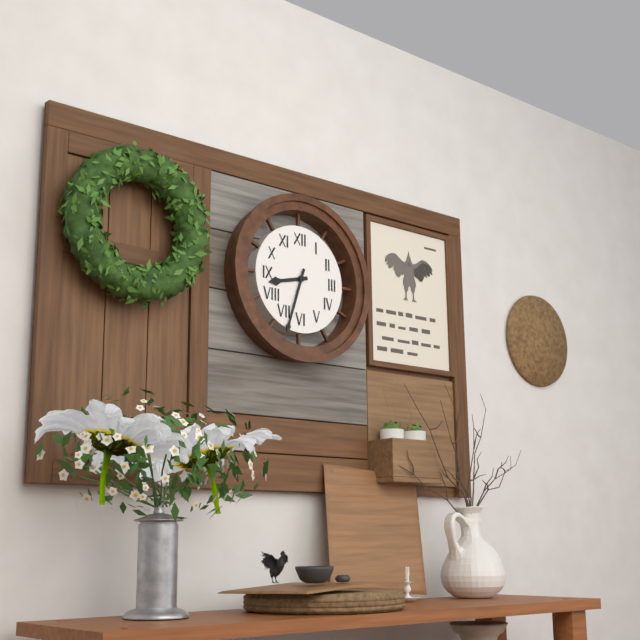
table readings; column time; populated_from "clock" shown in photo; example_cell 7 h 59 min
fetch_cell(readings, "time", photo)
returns 8 h 33 min
